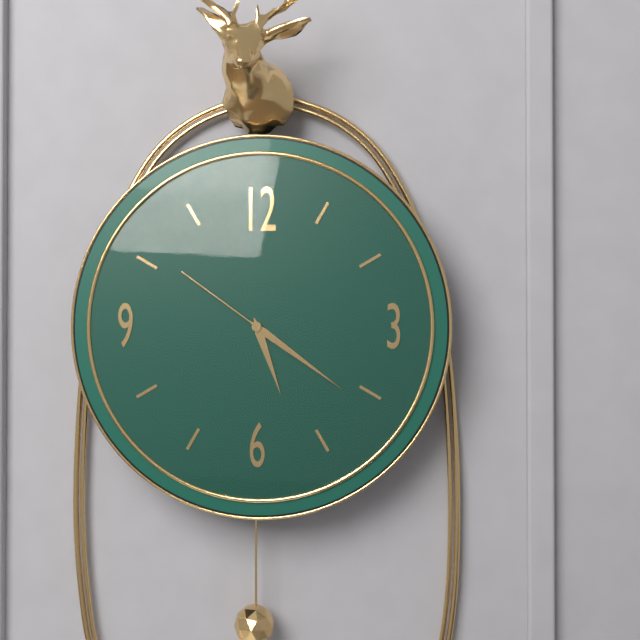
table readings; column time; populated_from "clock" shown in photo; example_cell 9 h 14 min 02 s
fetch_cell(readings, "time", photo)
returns 5 h 21 min 51 s
